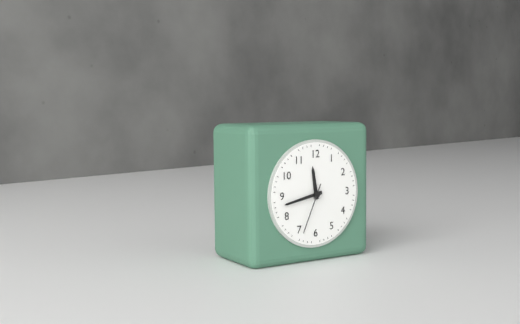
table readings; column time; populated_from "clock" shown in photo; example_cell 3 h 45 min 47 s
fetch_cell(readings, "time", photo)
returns 11 h 43 min 34 s
